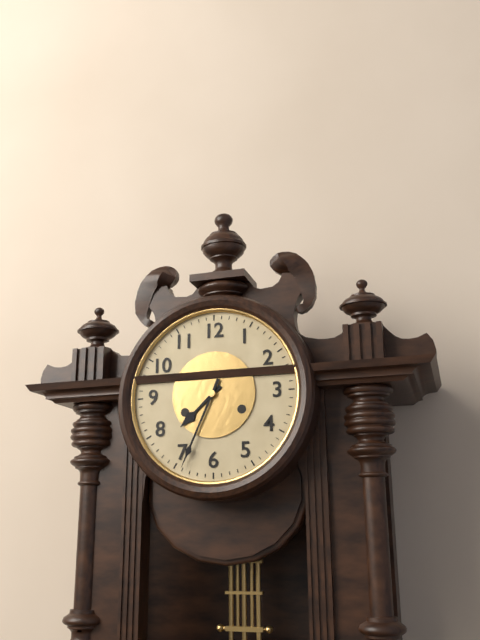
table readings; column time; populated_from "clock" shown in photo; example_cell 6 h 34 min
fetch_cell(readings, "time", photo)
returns 7 h 34 min
